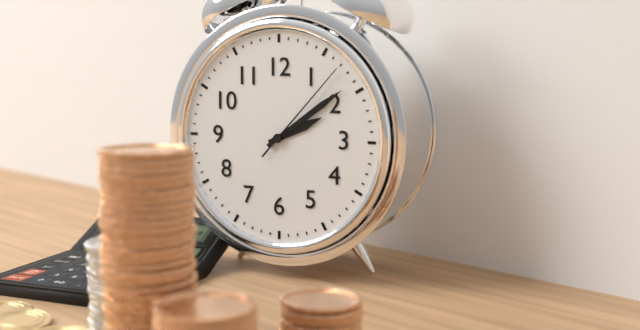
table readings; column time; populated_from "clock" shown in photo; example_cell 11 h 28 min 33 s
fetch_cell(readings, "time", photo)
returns 2 h 09 min 07 s
